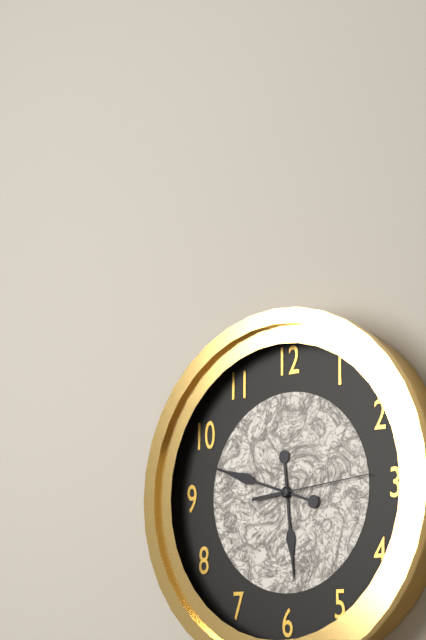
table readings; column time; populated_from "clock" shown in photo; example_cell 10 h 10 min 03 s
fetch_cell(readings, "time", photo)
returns 5 h 48 min 14 s
